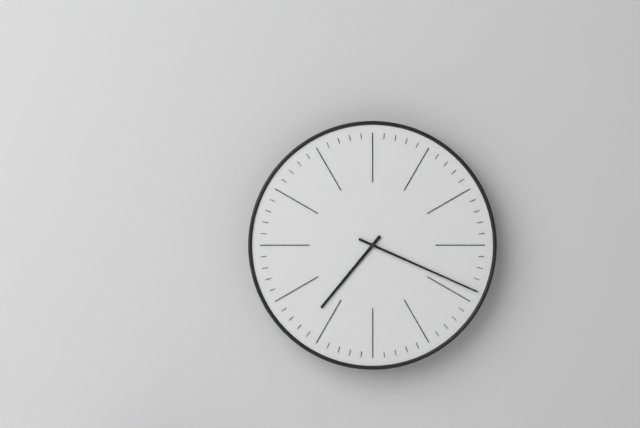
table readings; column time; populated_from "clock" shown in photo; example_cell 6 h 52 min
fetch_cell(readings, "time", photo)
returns 7 h 19 min
